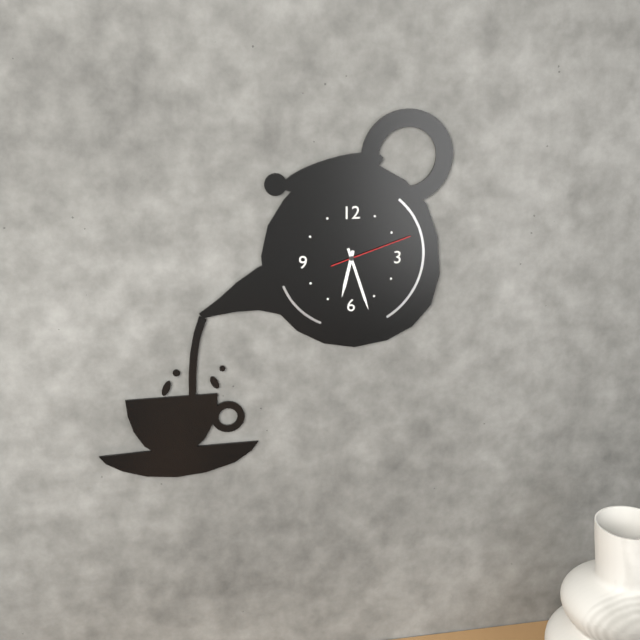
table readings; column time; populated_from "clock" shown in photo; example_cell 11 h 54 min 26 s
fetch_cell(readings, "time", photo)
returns 6 h 27 min 12 s
